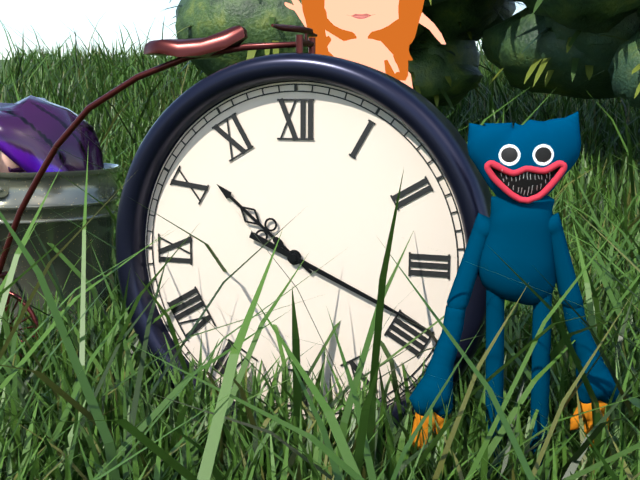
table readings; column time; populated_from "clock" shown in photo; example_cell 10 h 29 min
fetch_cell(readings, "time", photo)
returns 10 h 19 min
